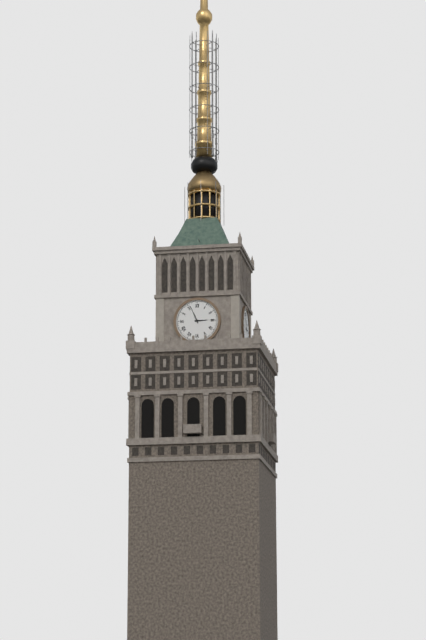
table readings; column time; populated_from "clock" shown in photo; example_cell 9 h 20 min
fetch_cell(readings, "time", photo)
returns 2 h 56 min
